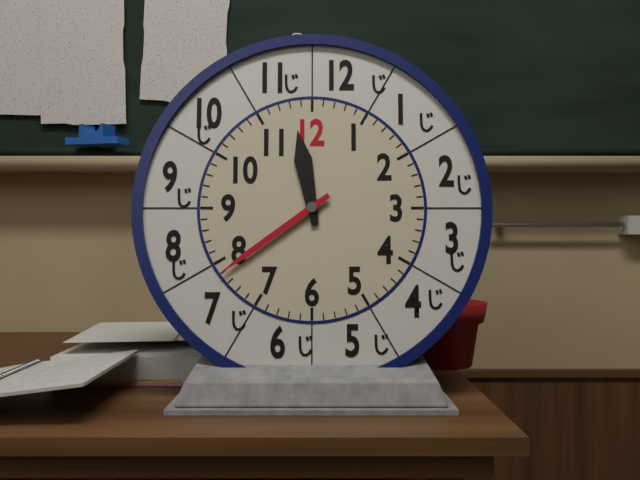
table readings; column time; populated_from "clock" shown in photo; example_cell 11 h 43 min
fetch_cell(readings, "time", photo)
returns 11 h 39 min
